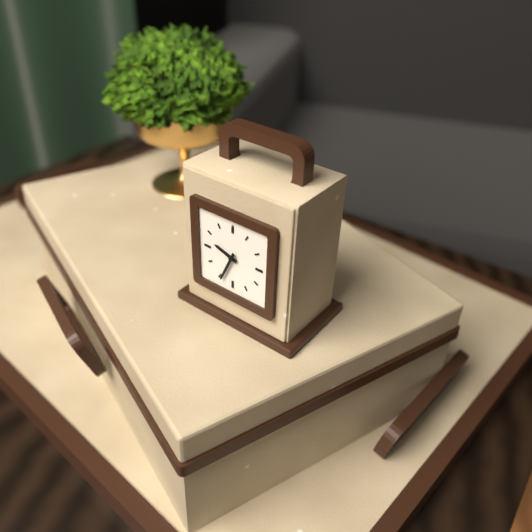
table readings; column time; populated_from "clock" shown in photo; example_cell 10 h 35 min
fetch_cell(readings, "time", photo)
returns 9 h 34 min
